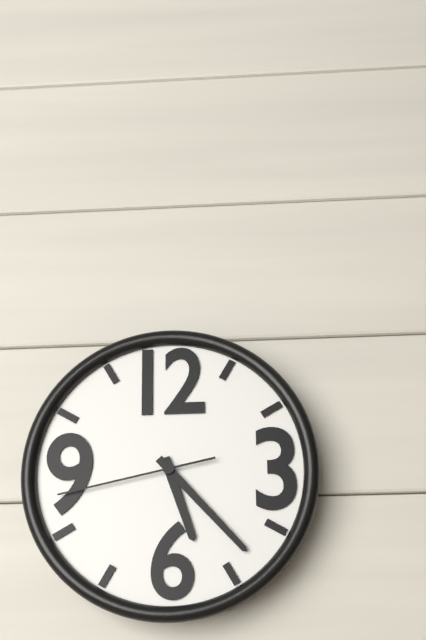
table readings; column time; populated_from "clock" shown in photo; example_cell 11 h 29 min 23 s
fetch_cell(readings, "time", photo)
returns 5 h 23 min 43 s
